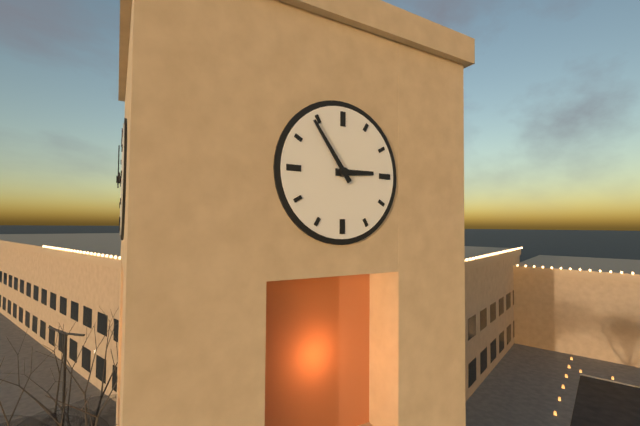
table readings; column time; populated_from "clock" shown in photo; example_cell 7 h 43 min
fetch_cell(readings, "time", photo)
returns 2 h 54 min
